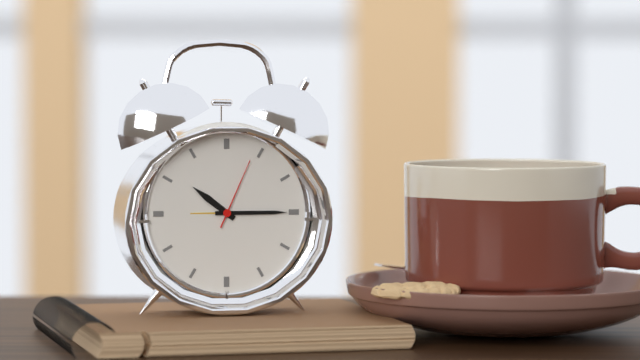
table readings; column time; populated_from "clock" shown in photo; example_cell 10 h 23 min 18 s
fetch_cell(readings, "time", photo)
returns 10 h 15 min 04 s
